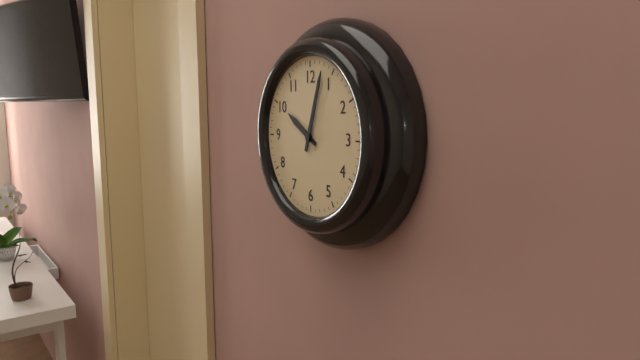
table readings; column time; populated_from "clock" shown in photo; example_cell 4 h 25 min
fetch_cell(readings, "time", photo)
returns 10 h 03 min
